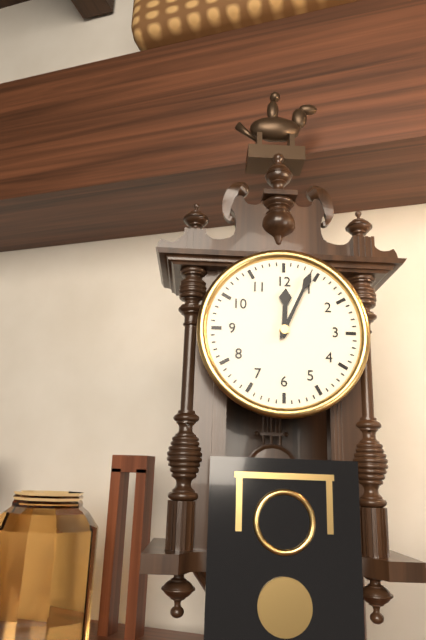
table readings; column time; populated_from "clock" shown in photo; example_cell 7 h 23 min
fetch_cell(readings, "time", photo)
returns 12 h 04 min
